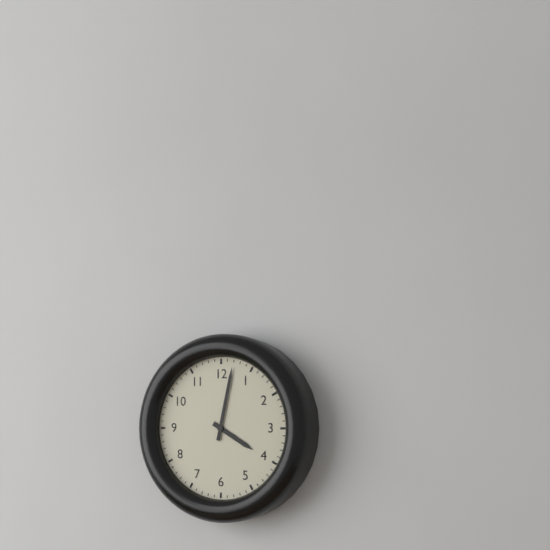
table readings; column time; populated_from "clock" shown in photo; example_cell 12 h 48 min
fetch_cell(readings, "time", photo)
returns 4 h 02 min
